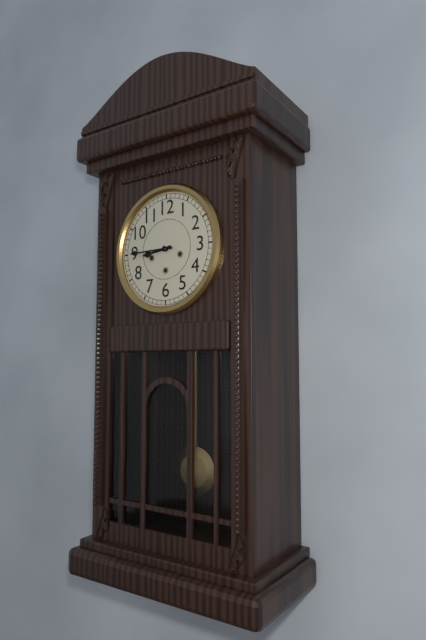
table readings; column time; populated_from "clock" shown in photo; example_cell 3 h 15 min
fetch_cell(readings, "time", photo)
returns 8 h 45 min
